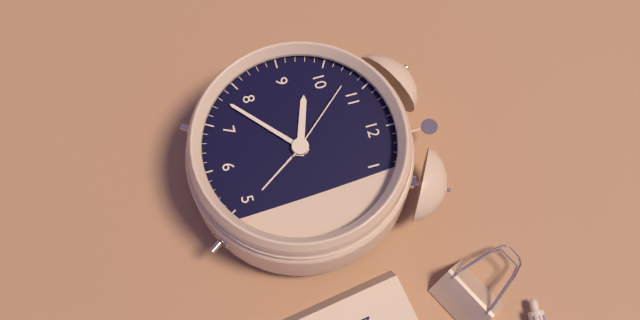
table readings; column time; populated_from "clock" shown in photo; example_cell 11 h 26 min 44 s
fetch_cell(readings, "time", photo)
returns 9 h 38 min 53 s
